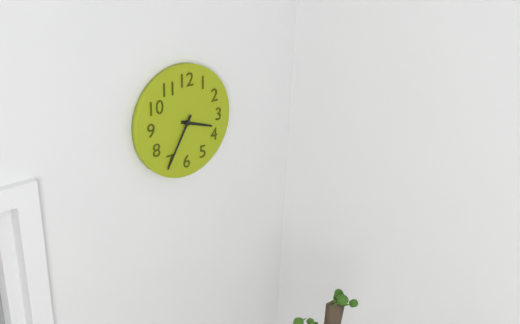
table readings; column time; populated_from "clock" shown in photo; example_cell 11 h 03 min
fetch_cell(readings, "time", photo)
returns 3 h 35 min
